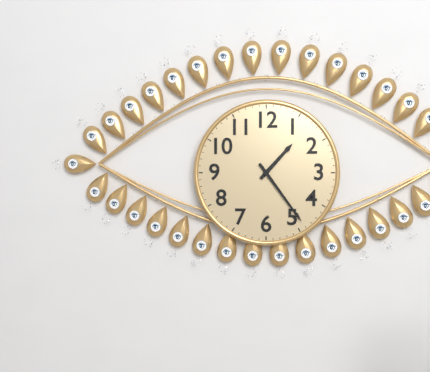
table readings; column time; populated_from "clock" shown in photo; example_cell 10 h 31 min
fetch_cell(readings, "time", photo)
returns 1 h 24 min
